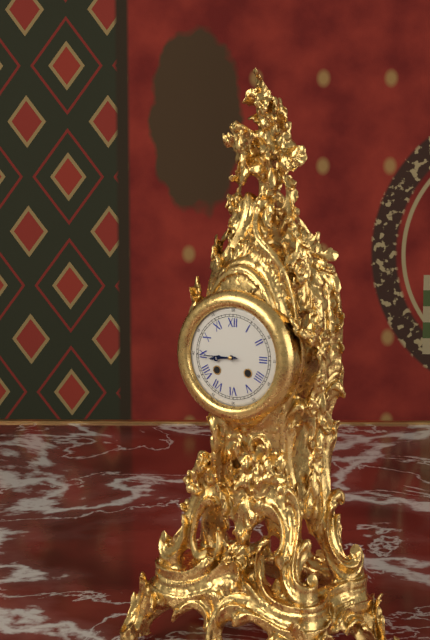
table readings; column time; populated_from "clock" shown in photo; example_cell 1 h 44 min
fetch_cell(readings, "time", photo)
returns 8 h 45 min
